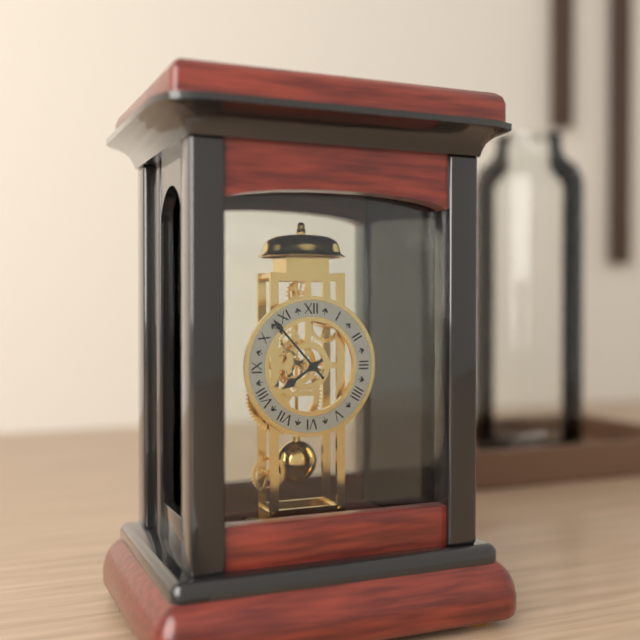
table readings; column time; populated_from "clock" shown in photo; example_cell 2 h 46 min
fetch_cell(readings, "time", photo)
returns 7 h 53 min
